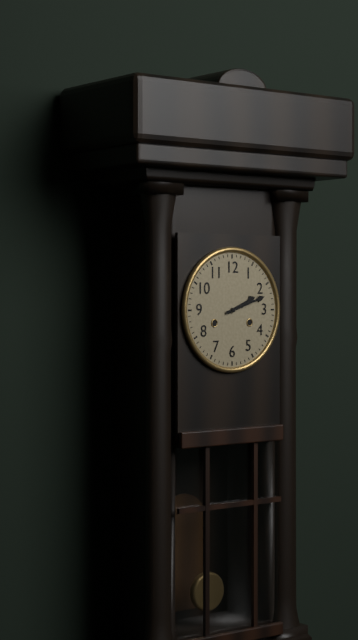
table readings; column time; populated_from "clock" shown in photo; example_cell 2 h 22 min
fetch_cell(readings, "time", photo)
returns 2 h 12 min
